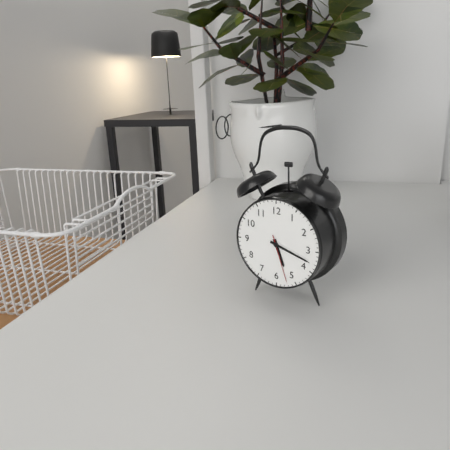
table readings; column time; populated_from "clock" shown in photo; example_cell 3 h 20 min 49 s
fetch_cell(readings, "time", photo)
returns 5 h 18 min 27 s
